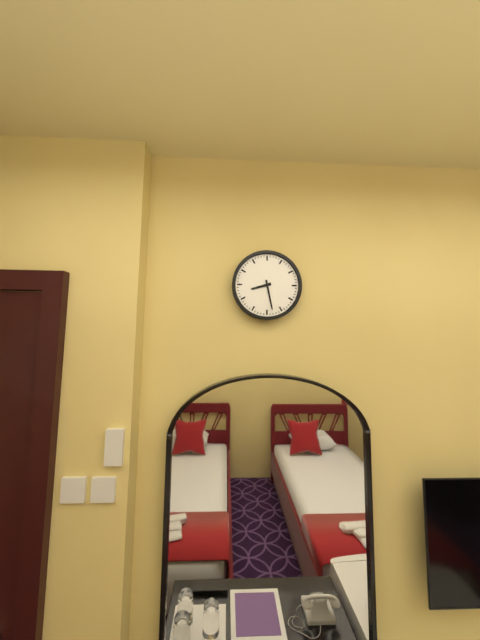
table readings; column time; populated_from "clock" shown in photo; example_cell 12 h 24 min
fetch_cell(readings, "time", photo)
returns 8 h 28 min
